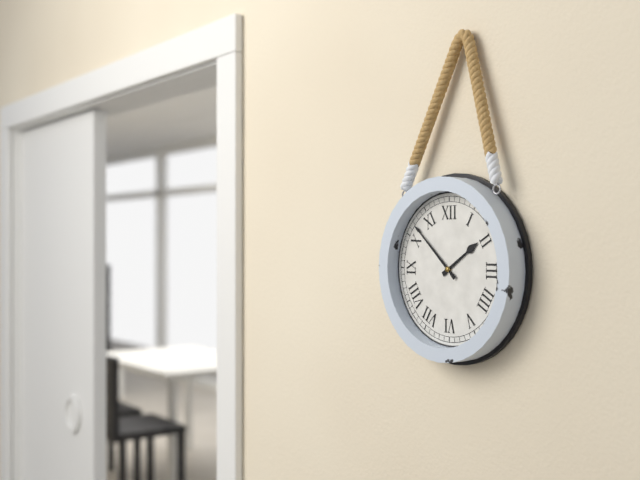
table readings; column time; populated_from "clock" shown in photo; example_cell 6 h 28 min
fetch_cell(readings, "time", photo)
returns 1 h 52 min
